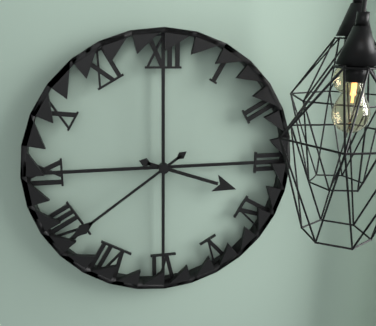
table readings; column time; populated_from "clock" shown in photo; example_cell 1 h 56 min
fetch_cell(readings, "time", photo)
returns 3 h 39 min
